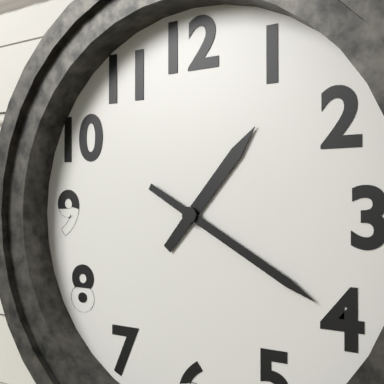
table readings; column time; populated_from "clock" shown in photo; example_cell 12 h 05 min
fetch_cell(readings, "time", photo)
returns 1 h 20 min
